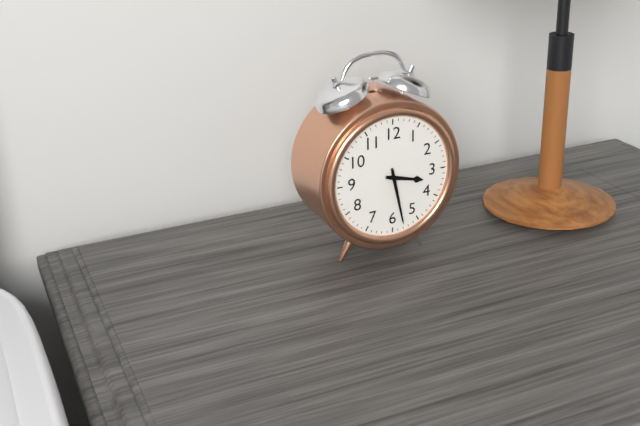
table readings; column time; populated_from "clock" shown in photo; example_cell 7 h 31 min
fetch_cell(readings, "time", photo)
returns 3 h 28 min
